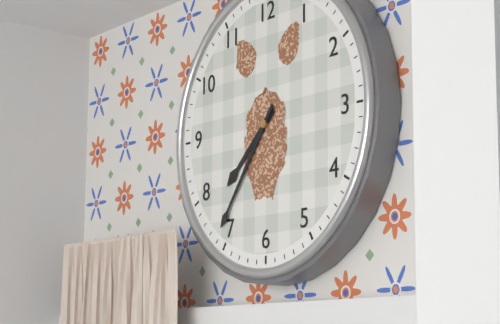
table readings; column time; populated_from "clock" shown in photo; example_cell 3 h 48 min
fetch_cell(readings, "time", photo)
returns 7 h 36 min
